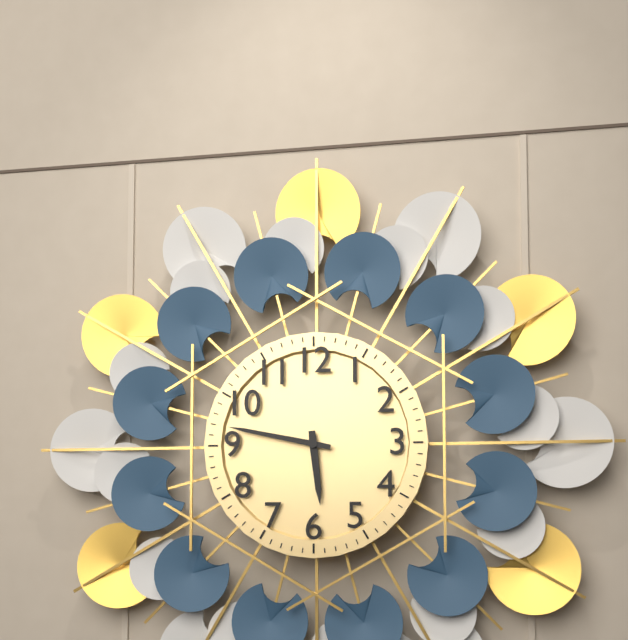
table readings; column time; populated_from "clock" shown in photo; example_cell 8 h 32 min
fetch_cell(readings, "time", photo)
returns 5 h 47 min
